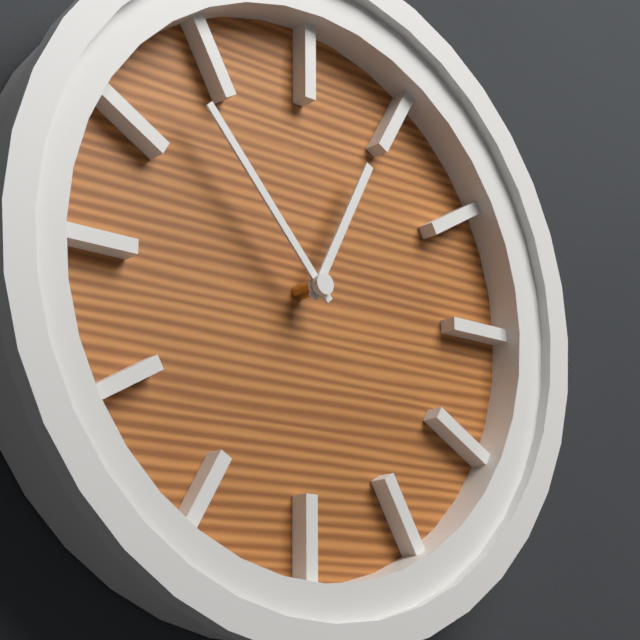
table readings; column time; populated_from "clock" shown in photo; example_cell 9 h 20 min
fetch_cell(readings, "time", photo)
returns 12 h 53 min
